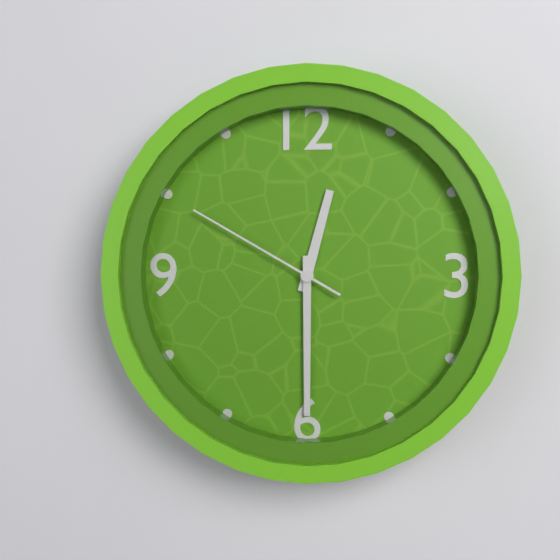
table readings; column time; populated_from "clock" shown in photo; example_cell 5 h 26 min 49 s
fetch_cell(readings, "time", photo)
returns 12 h 30 min 50 s
